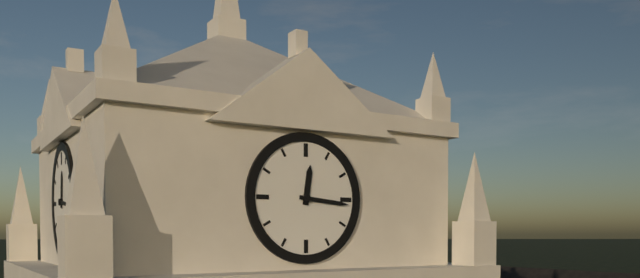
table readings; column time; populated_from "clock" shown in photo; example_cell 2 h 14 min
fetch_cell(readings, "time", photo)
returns 12 h 16 min
